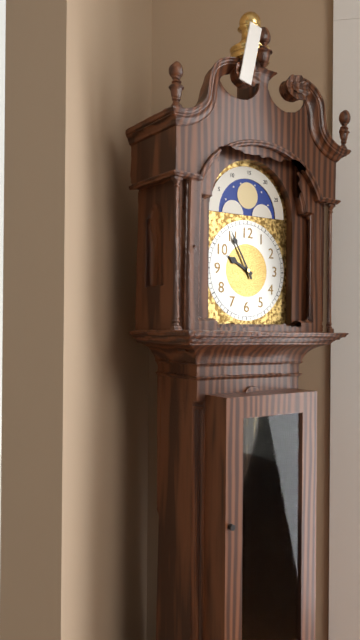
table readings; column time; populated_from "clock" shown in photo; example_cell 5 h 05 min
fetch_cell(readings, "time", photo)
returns 9 h 55 min
